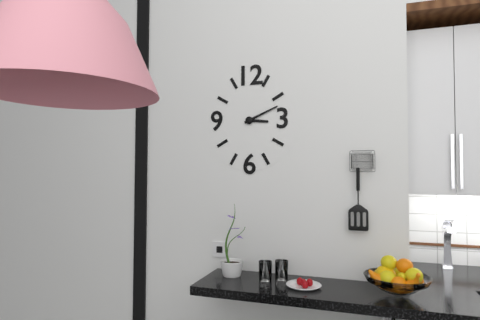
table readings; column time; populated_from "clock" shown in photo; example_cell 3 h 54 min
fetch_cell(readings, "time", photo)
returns 3 h 11 min
